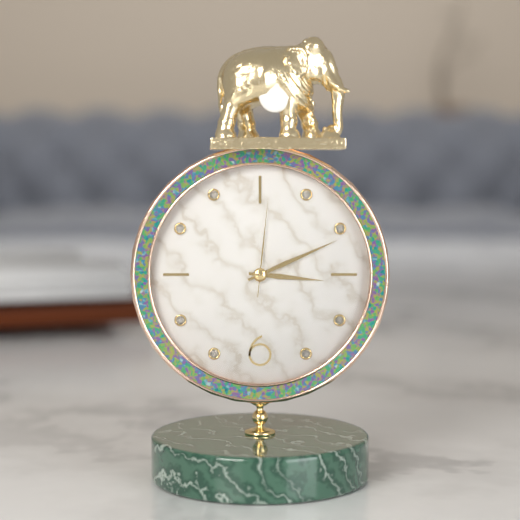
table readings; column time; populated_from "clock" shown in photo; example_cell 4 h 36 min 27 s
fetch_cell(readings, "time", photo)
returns 3 h 11 min 01 s
